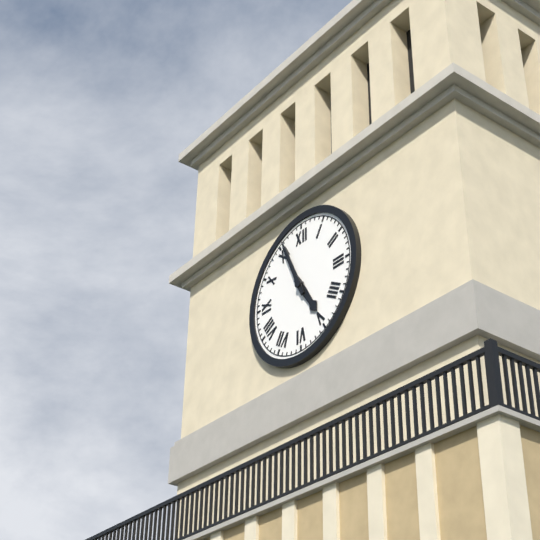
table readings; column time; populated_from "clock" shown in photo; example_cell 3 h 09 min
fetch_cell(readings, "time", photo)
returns 4 h 56 min
